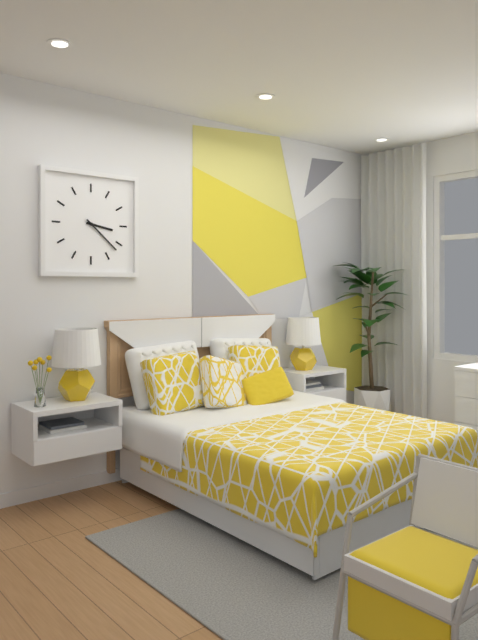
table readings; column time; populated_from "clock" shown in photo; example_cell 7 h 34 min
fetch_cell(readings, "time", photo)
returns 3 h 22 min
